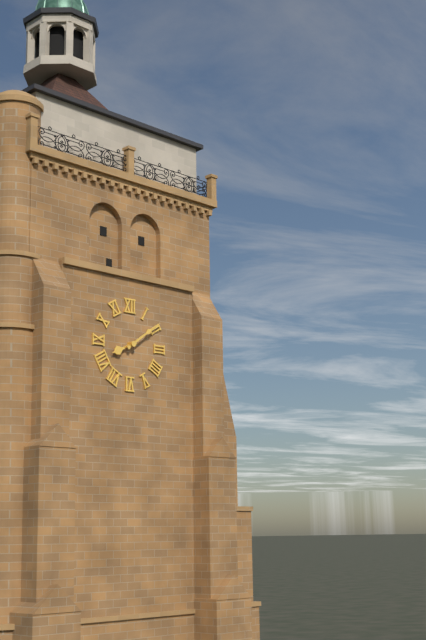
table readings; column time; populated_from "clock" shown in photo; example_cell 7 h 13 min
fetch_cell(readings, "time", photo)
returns 8 h 09 min
